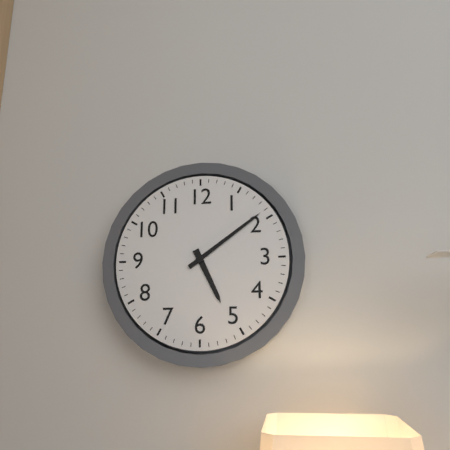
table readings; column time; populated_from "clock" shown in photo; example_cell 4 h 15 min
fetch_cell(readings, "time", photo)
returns 5 h 09 min
